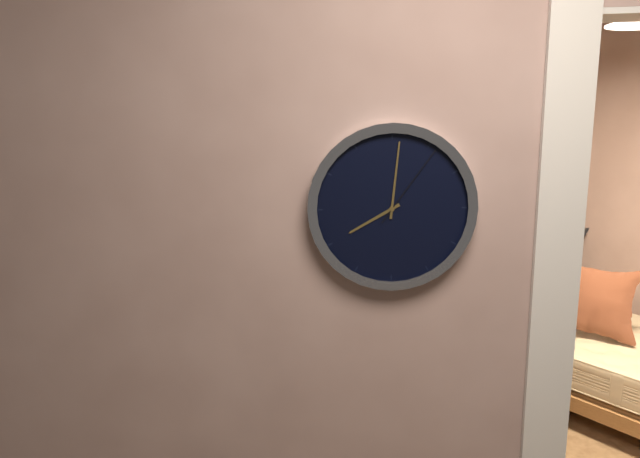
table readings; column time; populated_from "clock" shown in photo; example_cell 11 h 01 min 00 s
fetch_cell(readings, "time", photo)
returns 8 h 01 min 06 s
